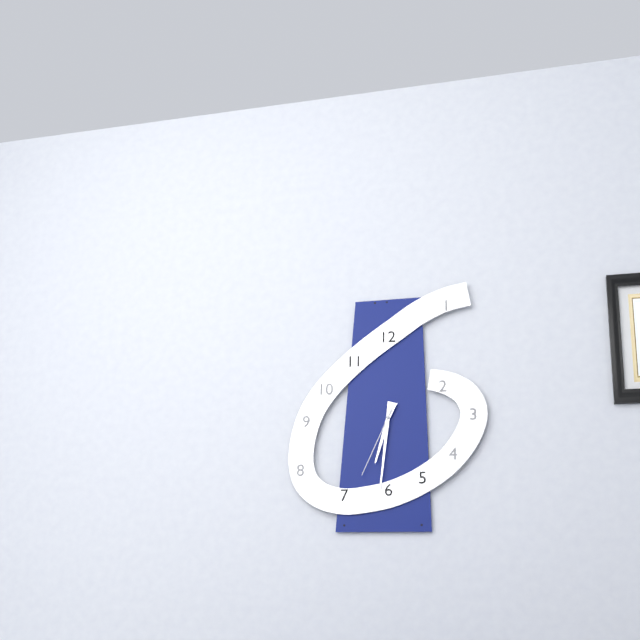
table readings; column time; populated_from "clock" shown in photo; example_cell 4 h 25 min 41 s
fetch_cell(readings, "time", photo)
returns 6 h 31 min 34 s
